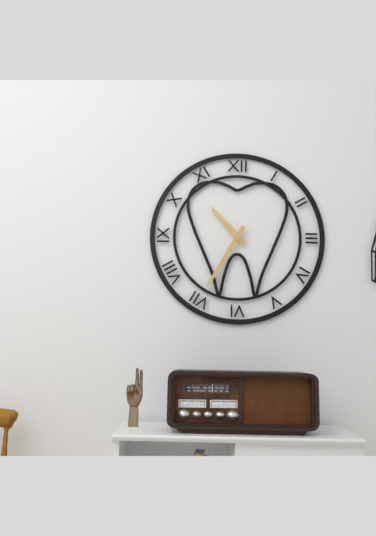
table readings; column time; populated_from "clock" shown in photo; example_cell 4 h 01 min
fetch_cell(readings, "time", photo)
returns 10 h 35 min
